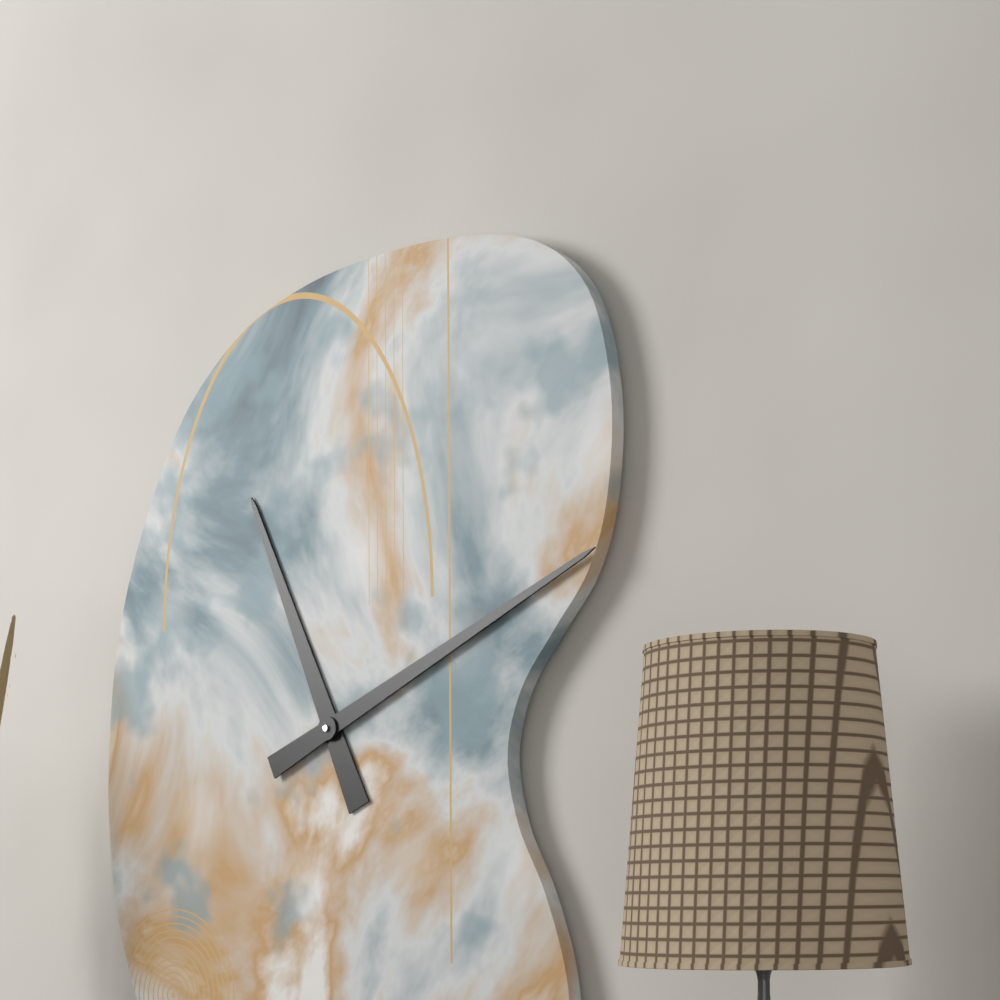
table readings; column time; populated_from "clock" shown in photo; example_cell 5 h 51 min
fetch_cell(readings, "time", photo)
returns 11 h 11 min
